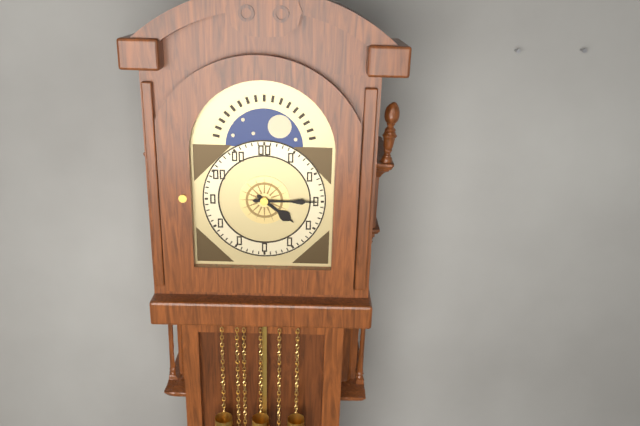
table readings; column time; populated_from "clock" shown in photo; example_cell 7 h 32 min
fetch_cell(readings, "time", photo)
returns 4 h 15 min
